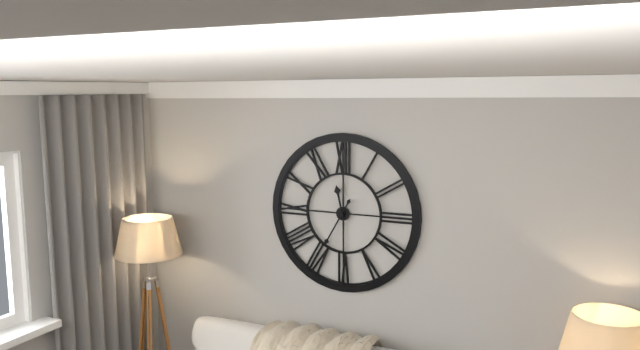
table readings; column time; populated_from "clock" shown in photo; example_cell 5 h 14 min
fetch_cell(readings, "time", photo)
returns 11 h 35 min
